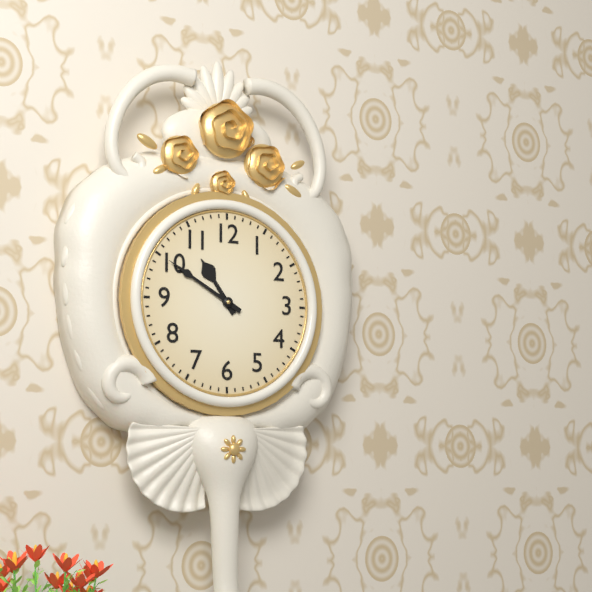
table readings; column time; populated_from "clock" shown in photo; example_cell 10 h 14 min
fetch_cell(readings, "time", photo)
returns 10 h 50 min
